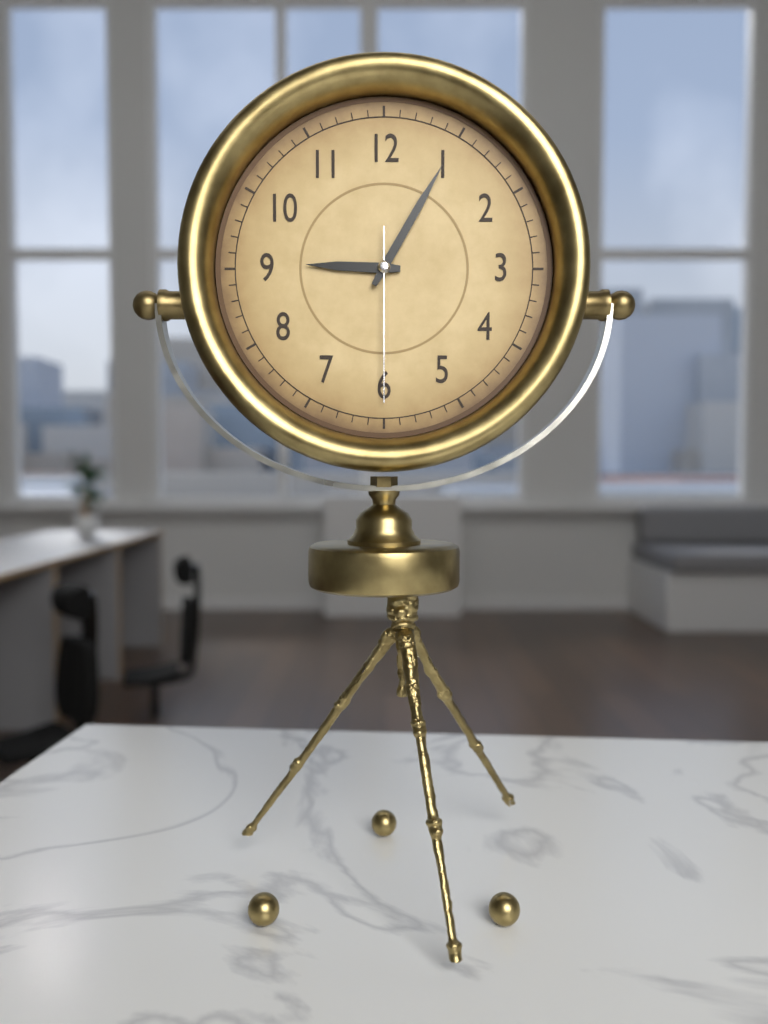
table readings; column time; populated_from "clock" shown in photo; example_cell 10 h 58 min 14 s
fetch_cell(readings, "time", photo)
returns 9 h 05 min 30 s
